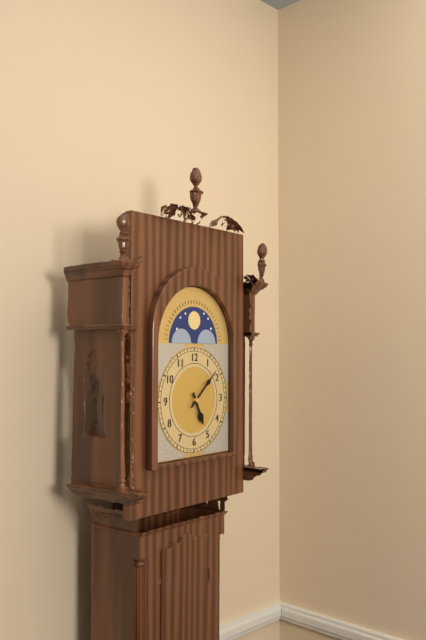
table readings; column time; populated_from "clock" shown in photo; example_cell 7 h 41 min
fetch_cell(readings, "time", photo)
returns 5 h 08 min
